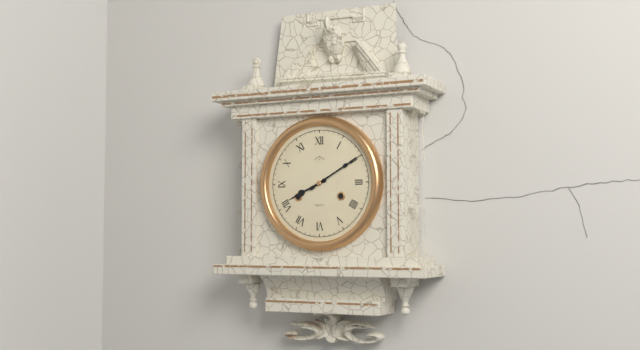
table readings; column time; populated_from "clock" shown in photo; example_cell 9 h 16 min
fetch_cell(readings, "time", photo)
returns 8 h 10 min
